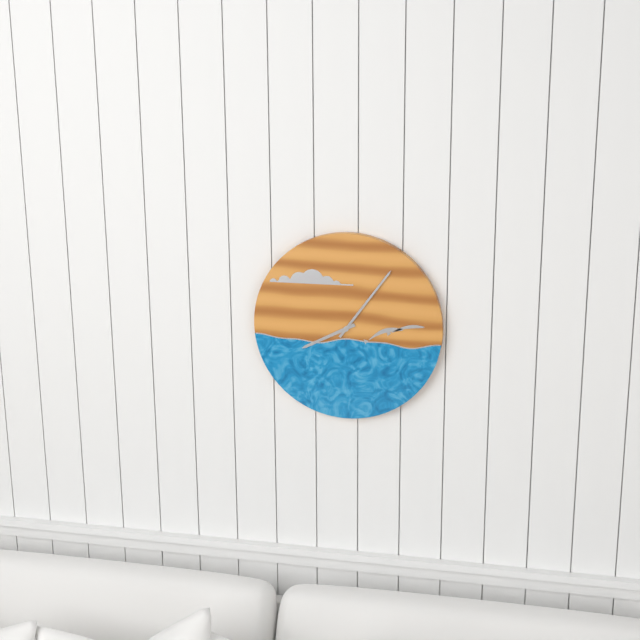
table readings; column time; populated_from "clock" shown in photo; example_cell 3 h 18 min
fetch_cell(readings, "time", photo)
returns 8 h 06 min
